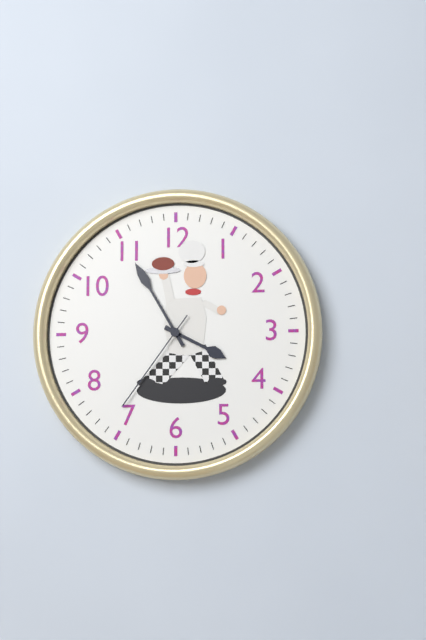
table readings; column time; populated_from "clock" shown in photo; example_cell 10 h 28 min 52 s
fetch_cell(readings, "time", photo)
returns 3 h 55 min 36 s
